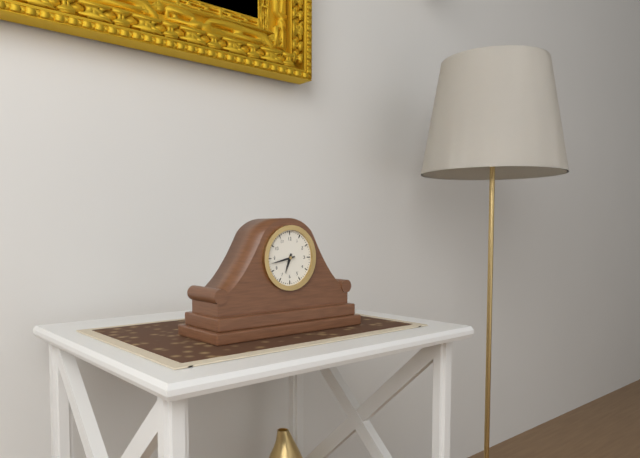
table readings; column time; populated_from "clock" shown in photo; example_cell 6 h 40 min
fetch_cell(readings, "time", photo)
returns 6 h 43 min
